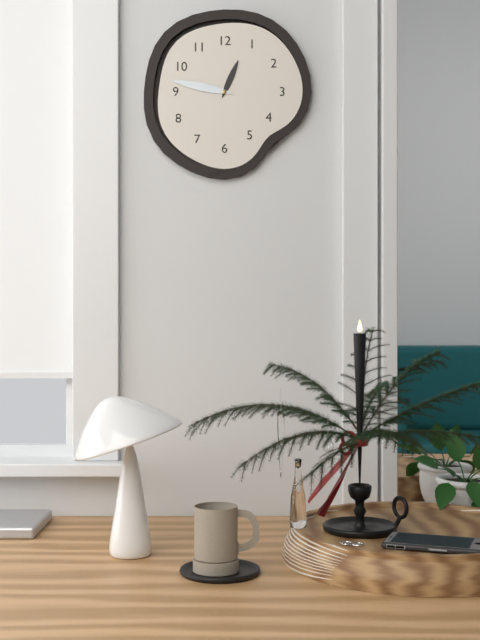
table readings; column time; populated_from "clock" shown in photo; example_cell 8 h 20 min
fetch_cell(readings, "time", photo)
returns 12 h 47 min
